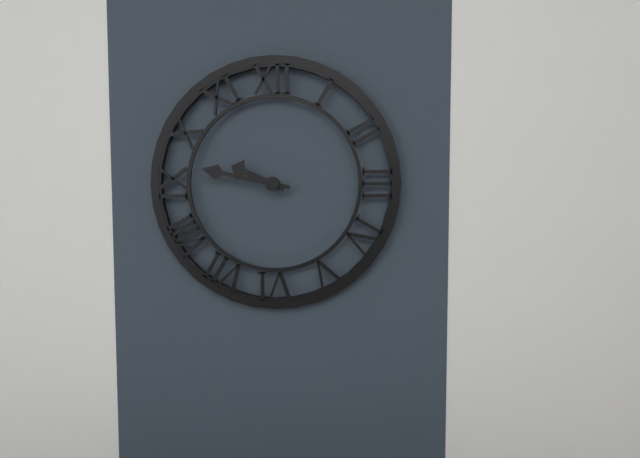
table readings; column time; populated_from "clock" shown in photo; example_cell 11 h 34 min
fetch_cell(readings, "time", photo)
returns 9 h 47 min
